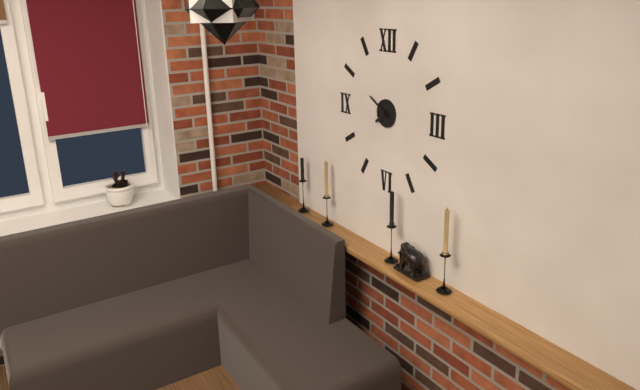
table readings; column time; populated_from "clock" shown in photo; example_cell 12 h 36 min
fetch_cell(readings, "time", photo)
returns 7 h 50 min
